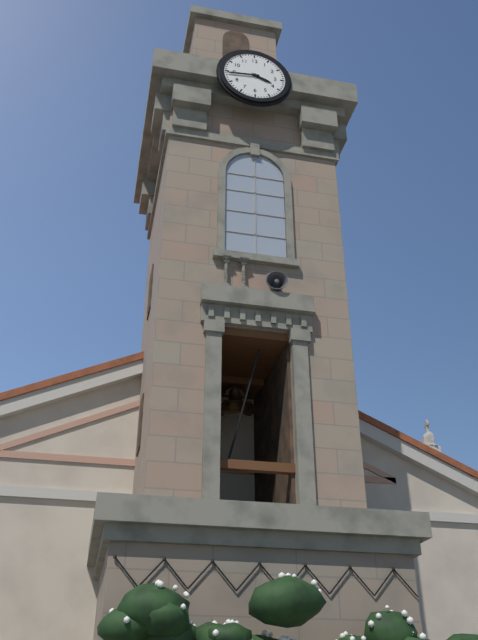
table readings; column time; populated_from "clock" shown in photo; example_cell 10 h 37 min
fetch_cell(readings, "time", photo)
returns 3 h 44 min
